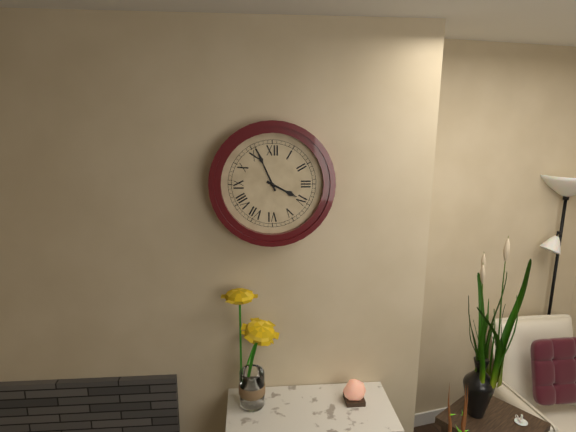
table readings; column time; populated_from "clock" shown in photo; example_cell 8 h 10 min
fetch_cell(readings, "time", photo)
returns 3 h 56 min
